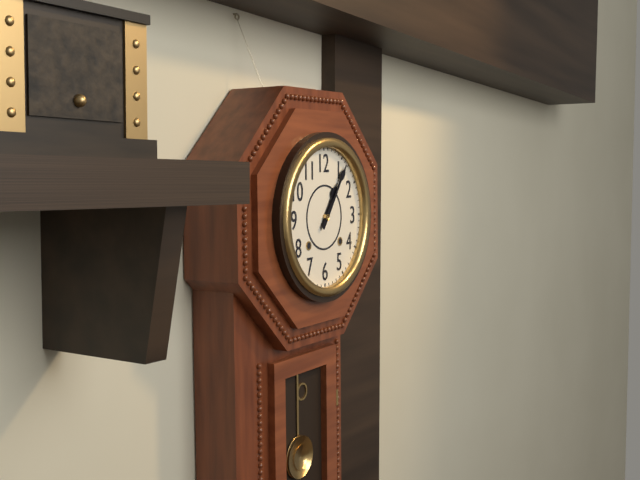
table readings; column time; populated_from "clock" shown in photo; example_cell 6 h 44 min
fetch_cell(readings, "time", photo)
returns 1 h 06 min
